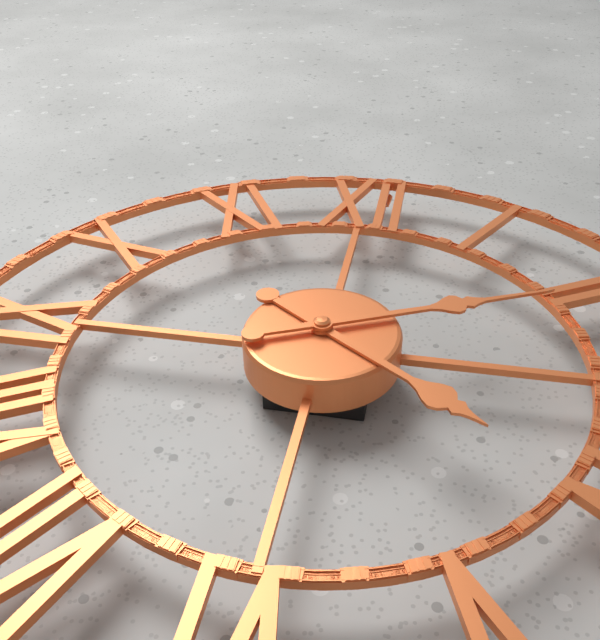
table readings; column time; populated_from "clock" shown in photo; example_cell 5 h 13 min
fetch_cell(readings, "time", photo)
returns 4 h 11 min
